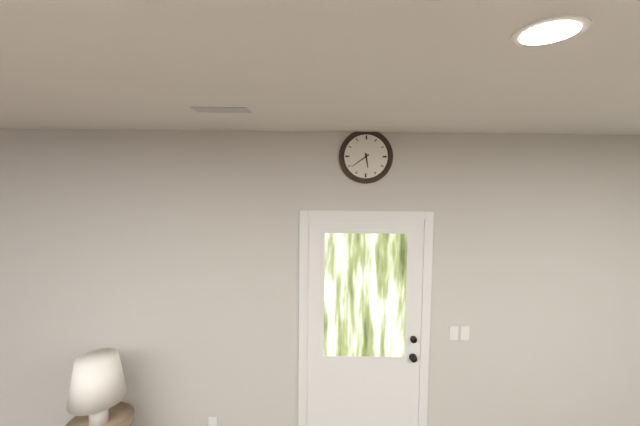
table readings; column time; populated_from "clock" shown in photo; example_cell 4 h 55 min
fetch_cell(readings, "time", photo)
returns 5 h 39 min
